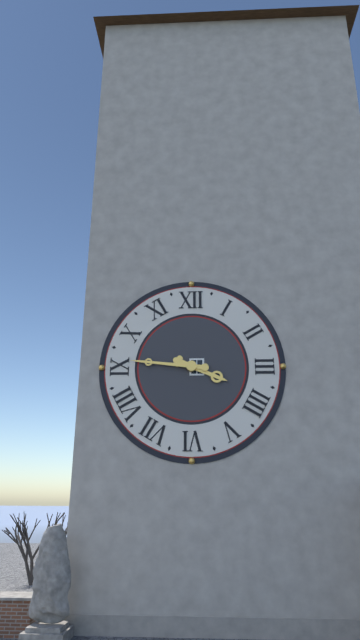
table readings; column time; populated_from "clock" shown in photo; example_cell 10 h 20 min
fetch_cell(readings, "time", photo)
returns 3 h 46 min
